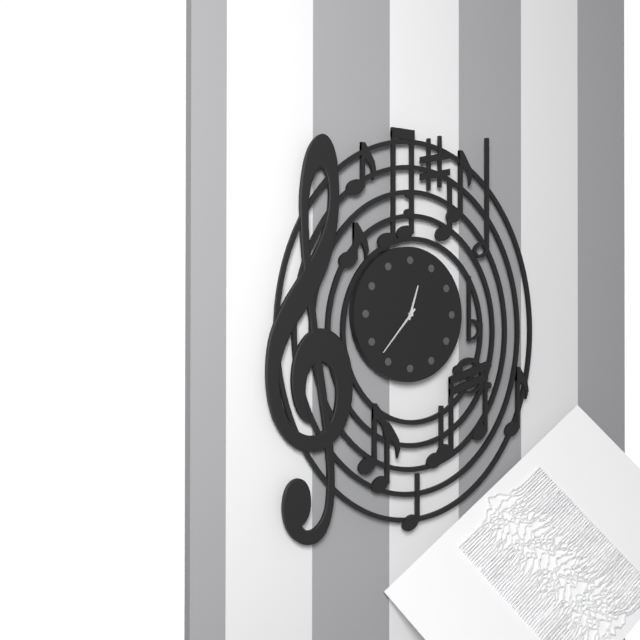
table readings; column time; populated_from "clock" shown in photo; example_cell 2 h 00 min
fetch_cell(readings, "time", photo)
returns 12 h 37 min
